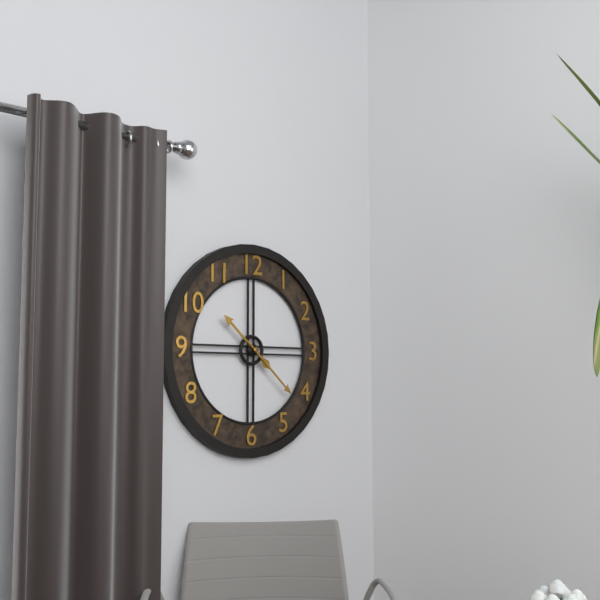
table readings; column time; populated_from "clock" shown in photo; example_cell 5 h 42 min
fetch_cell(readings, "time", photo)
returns 10 h 22 min
